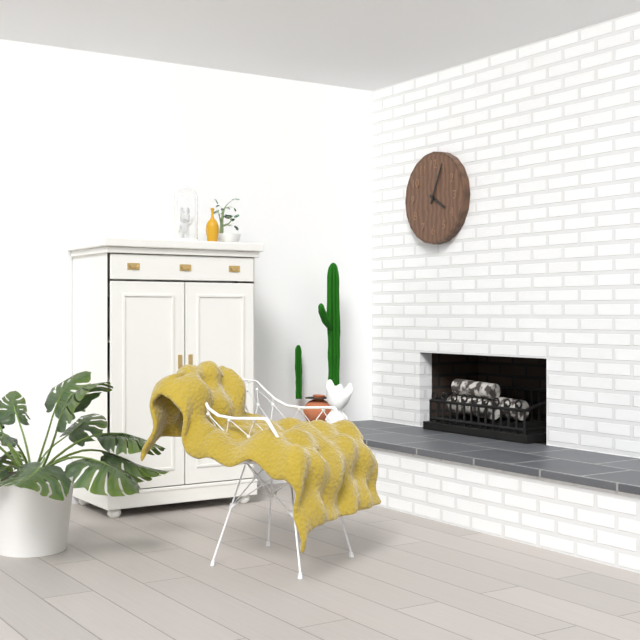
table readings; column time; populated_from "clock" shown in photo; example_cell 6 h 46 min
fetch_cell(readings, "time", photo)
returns 4 h 04 min
